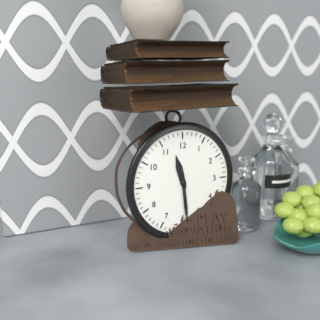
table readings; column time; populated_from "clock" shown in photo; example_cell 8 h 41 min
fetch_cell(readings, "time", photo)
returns 11 h 29 min
